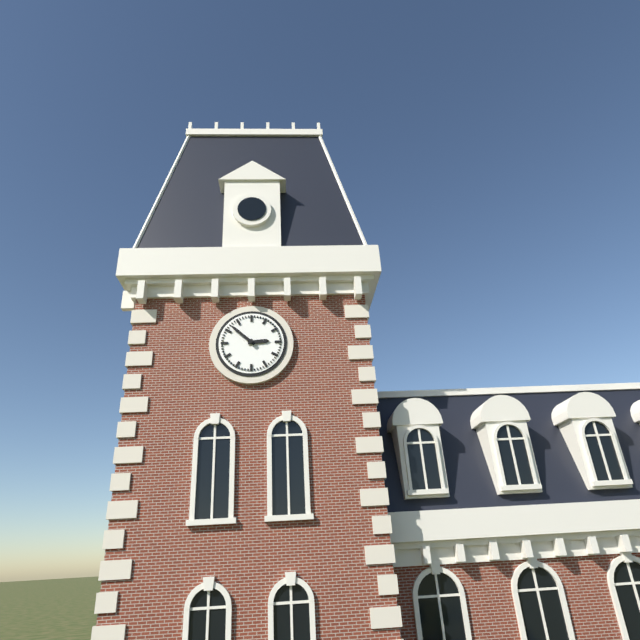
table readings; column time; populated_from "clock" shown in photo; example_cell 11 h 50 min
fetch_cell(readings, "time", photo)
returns 2 h 52 min
